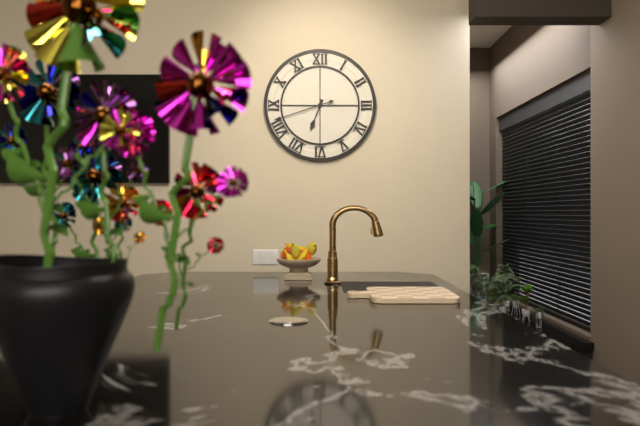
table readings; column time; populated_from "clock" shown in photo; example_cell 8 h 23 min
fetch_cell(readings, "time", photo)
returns 6 h 42 min
